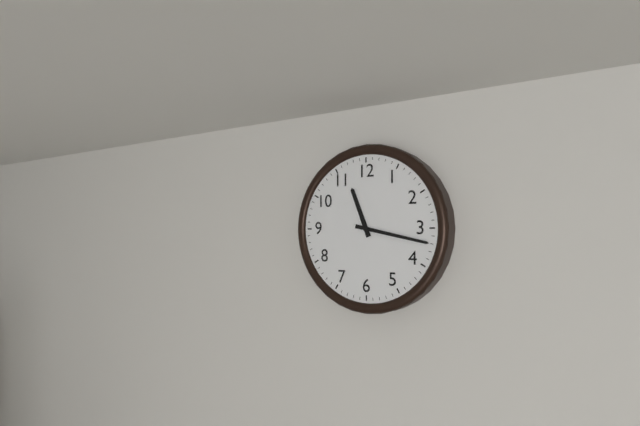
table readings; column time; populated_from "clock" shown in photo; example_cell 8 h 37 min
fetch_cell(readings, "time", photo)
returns 11 h 17 min
